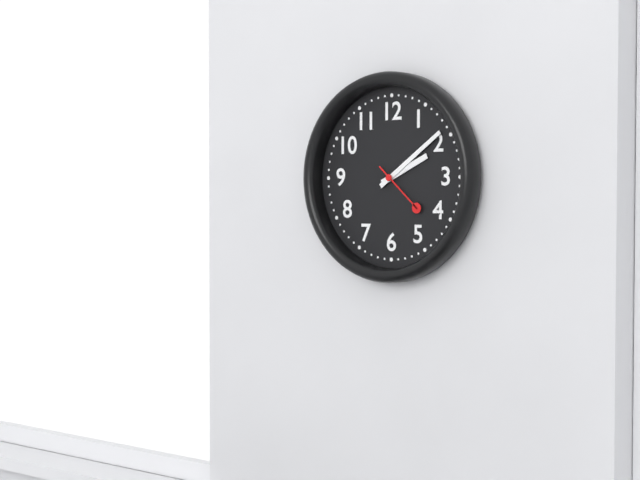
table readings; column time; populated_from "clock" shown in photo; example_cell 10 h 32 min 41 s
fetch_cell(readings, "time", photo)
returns 2 h 09 min 22 s
